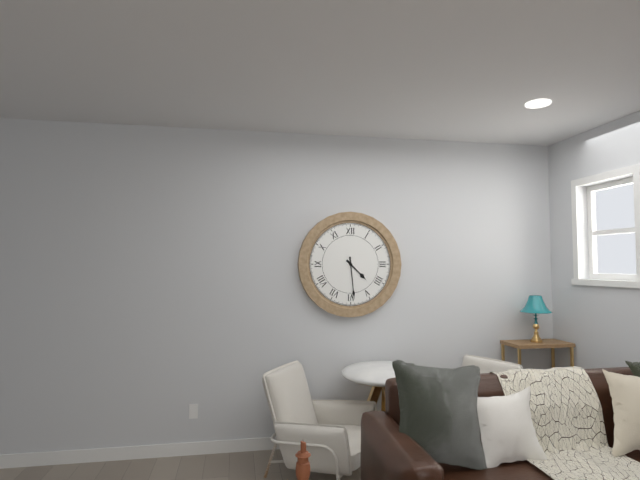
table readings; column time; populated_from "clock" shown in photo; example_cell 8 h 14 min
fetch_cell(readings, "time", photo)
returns 4 h 29 min
